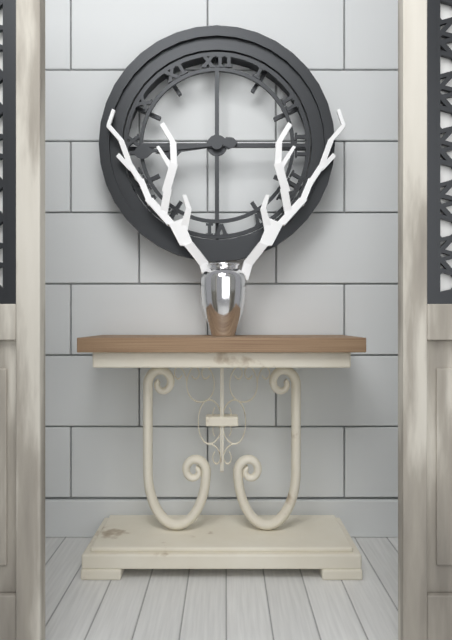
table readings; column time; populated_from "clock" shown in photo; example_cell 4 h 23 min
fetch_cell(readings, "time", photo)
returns 8 h 44 min
